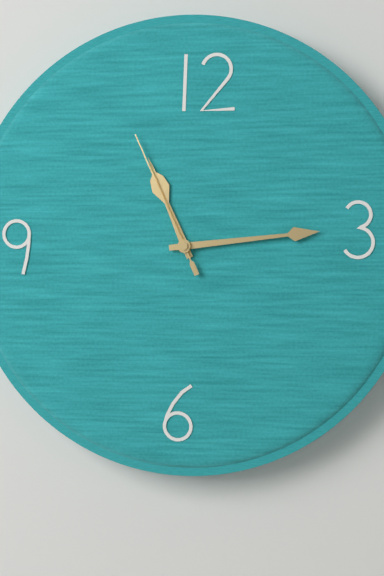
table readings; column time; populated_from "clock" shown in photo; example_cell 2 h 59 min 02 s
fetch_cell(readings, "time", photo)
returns 11 h 14 min 56 s
